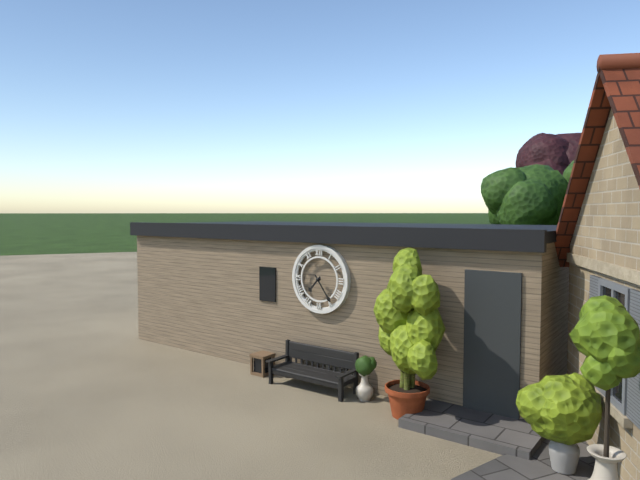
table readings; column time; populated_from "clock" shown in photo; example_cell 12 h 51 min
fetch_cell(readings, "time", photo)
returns 7 h 24 min
